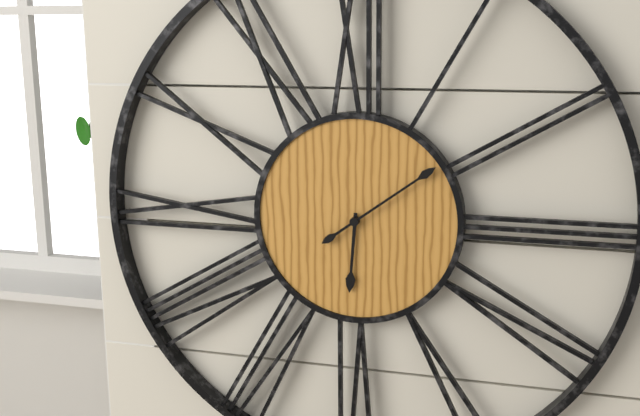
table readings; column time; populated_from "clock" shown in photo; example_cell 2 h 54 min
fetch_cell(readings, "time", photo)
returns 6 h 09 min
